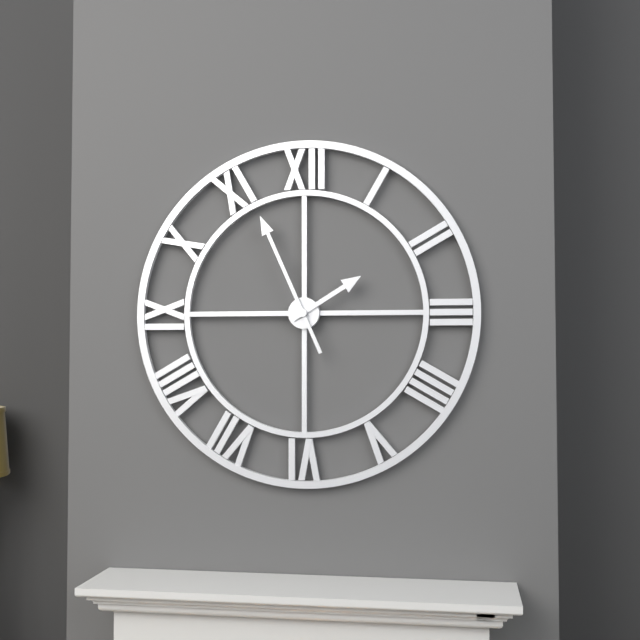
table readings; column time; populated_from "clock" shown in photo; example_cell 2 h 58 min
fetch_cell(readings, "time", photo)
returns 1 h 56 min
